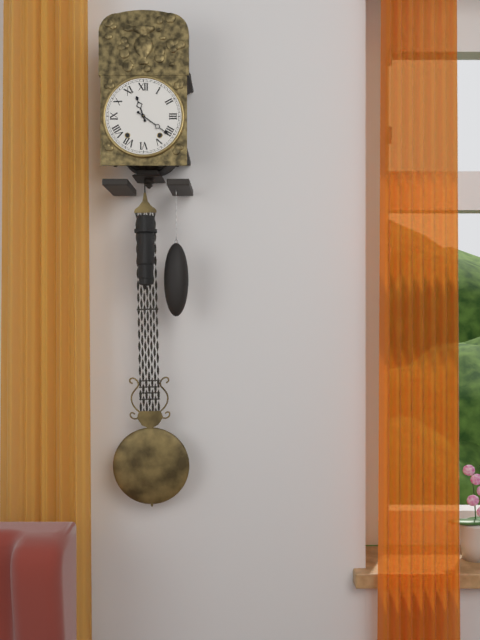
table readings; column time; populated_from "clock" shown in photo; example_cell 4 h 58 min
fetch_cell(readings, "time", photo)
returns 11 h 21 min
